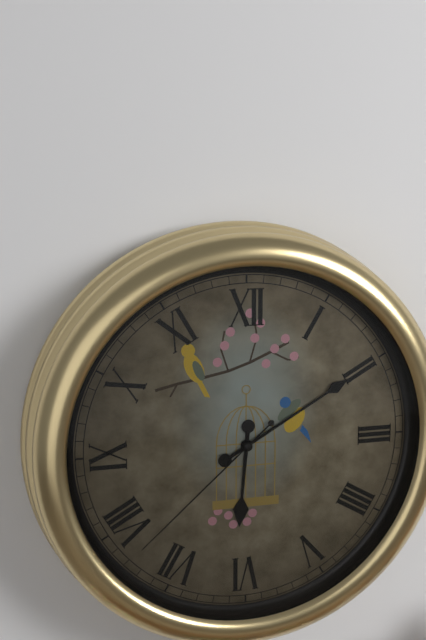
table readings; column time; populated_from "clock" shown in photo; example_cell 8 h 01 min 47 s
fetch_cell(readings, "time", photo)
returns 6 h 10 min 38 s
